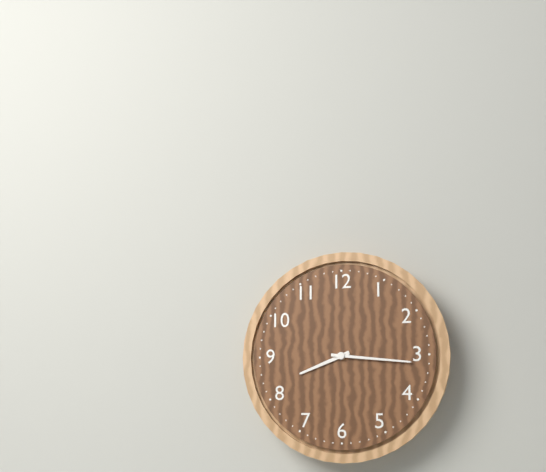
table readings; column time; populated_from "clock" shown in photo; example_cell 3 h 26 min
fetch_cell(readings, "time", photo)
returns 8 h 16 min
